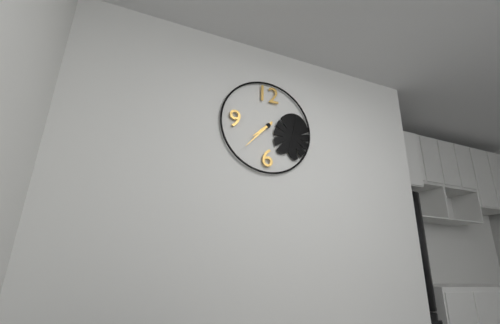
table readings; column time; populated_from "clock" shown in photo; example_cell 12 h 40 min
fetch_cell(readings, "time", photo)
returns 7 h 37 min
